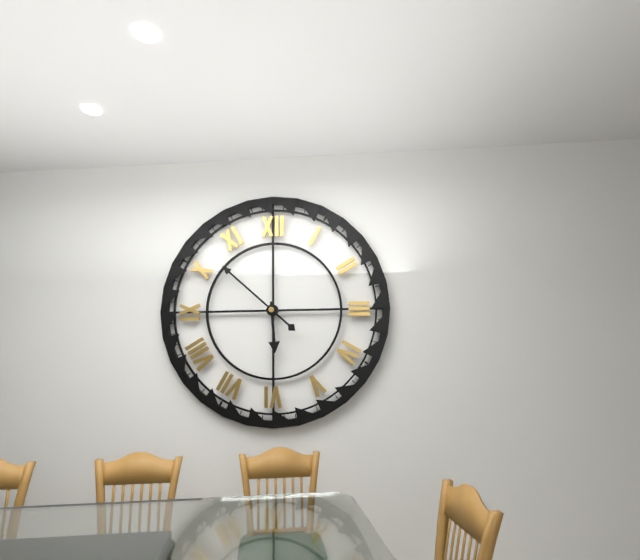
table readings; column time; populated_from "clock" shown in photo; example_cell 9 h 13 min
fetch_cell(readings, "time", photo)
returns 5 h 52 min
